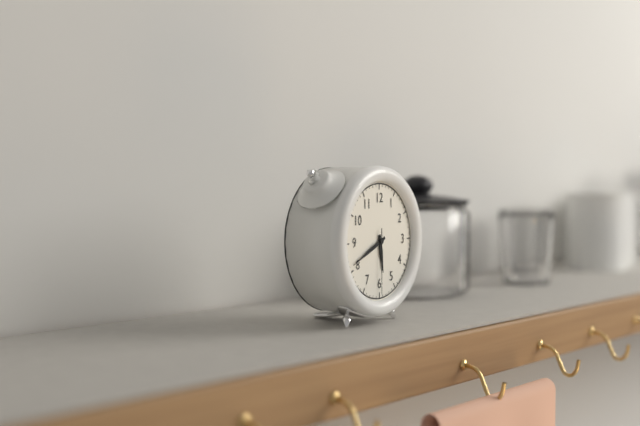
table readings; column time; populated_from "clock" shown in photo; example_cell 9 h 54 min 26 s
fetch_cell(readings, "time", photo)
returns 5 h 41 min 30 s
